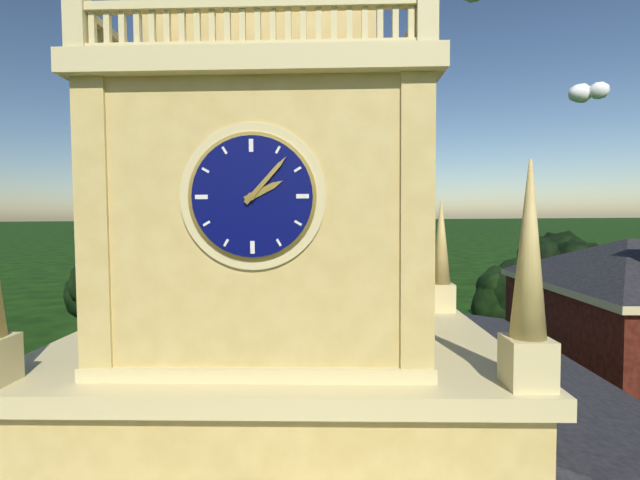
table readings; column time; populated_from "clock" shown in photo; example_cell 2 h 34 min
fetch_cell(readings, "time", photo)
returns 2 h 07 min
